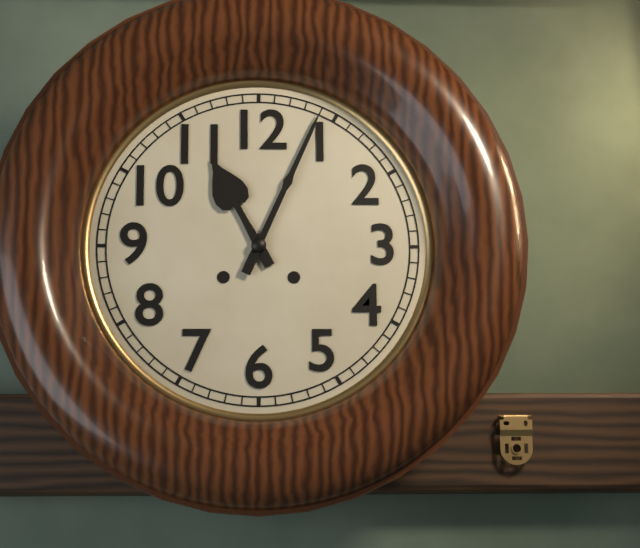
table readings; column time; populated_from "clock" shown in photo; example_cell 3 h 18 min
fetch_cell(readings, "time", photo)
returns 11 h 04 min
